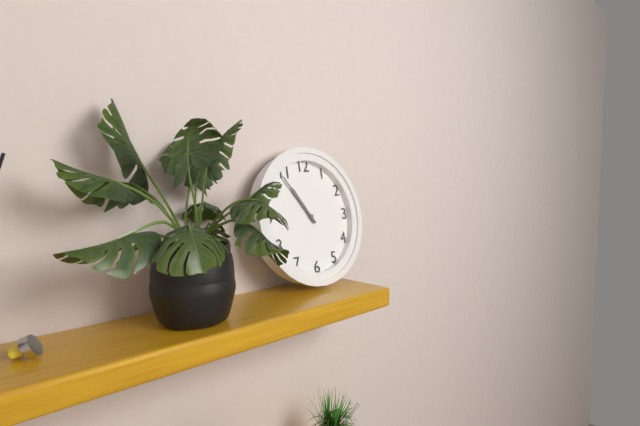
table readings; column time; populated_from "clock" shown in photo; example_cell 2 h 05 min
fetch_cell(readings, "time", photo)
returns 10 h 54 min
